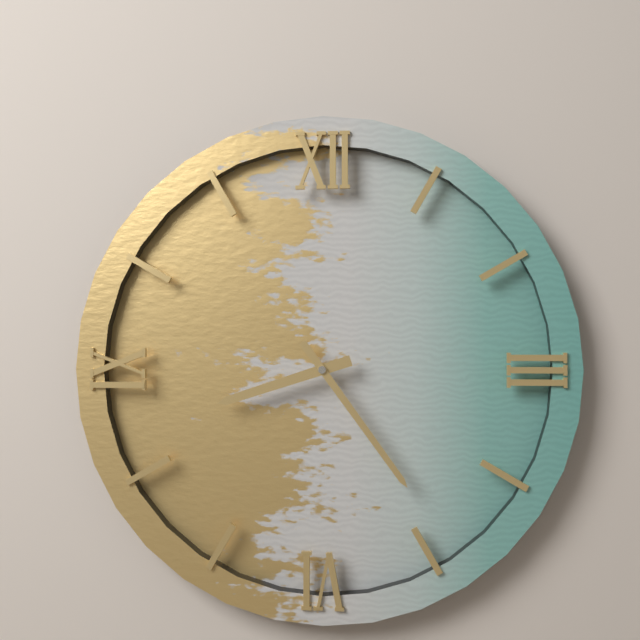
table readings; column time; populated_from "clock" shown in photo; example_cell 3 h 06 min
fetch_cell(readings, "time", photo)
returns 8 h 24 min
